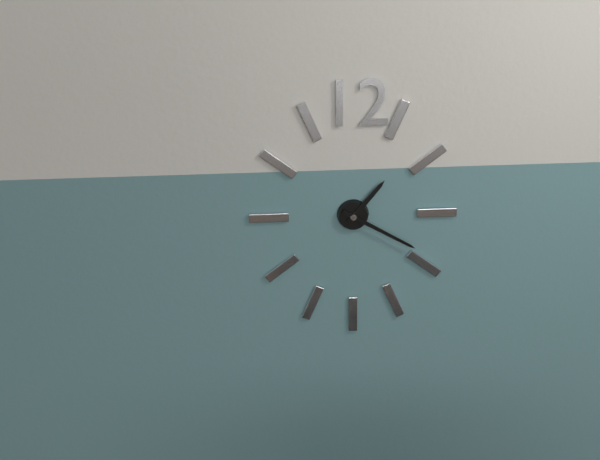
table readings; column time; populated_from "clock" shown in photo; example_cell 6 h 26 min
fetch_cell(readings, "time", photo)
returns 1 h 20 min
